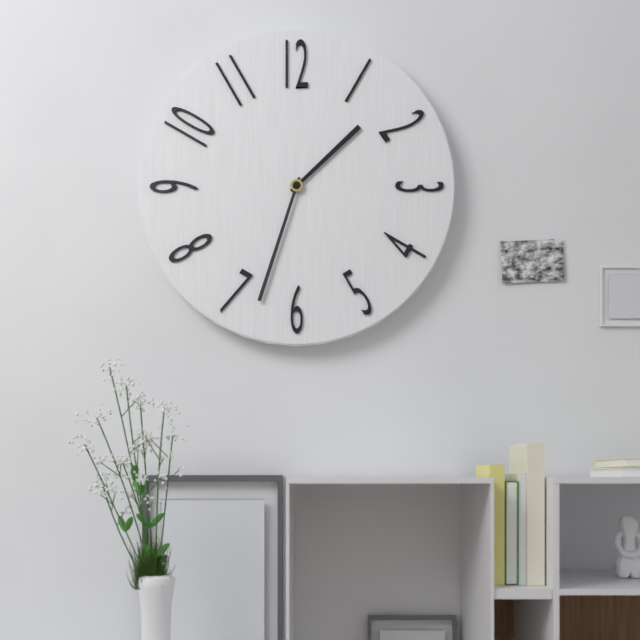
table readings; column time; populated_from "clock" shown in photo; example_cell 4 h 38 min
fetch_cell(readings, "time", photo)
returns 1 h 33 min
